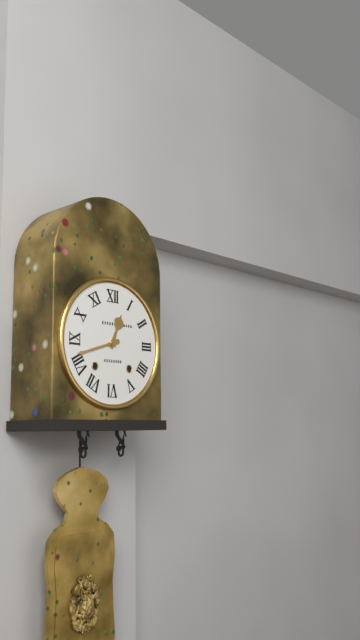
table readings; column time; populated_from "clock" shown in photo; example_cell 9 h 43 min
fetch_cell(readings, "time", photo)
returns 12 h 42 min
